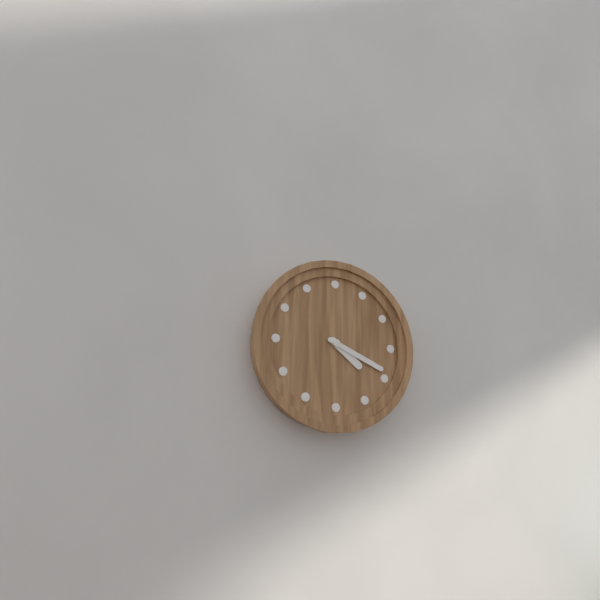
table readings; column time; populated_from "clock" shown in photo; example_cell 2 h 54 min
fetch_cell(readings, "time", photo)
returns 4 h 19 min
